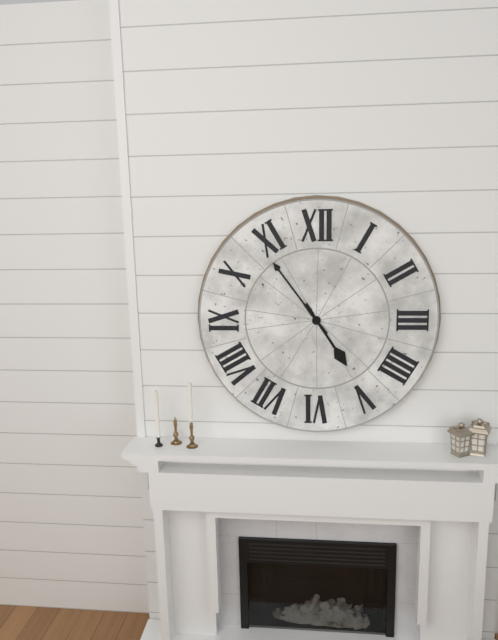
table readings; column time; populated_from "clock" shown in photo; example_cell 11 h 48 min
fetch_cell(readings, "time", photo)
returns 4 h 54 min
